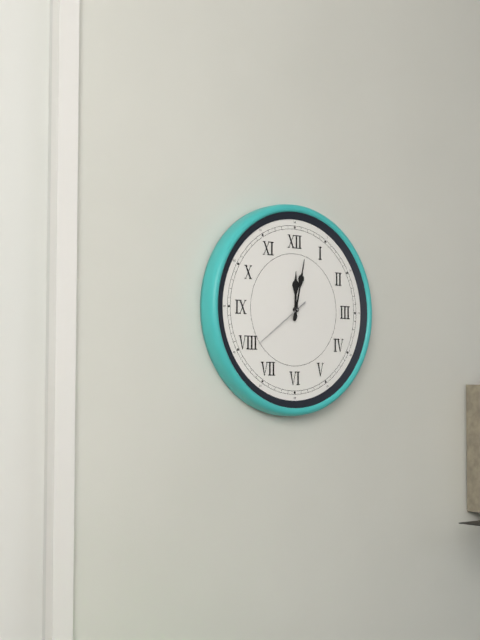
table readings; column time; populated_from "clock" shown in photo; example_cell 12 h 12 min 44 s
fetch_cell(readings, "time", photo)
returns 12 h 02 min 39 s
